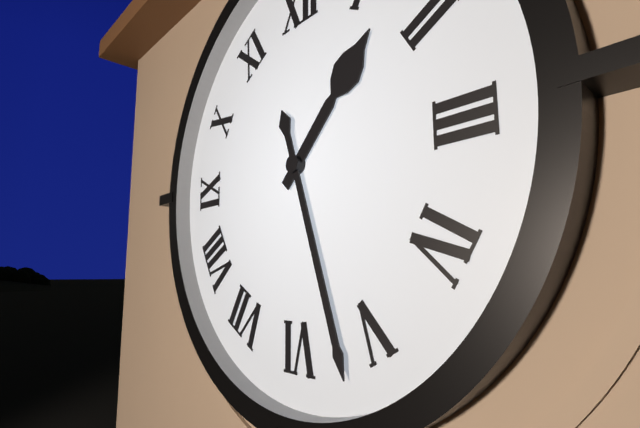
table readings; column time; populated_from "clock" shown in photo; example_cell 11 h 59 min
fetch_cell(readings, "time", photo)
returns 1 h 27 min
